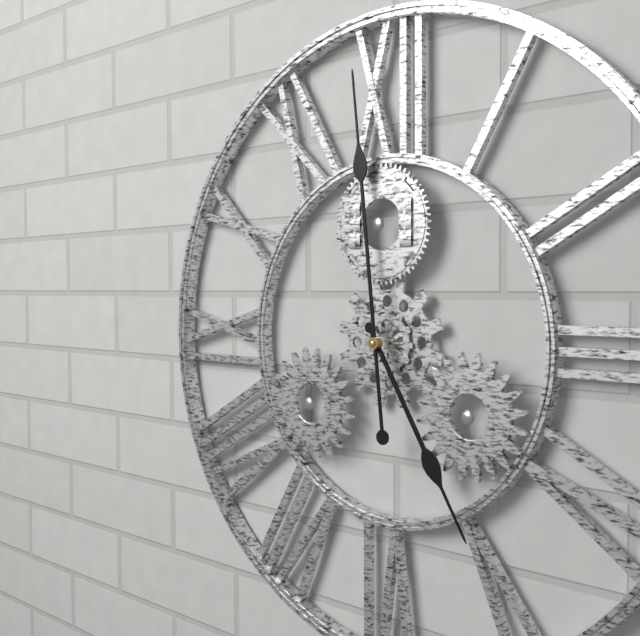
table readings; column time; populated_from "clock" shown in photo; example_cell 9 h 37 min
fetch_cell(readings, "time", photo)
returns 4 h 59 min
